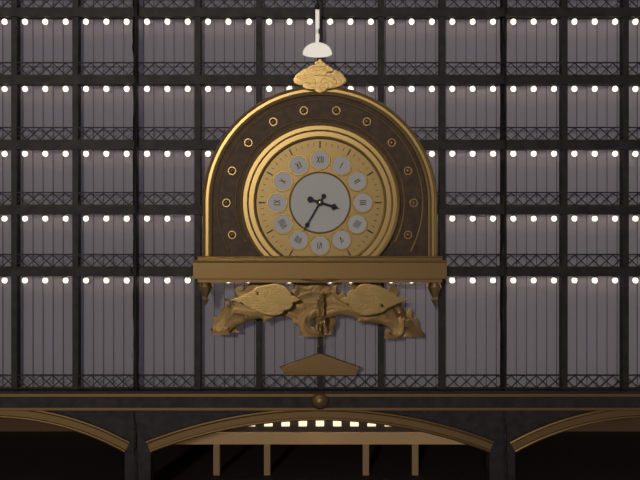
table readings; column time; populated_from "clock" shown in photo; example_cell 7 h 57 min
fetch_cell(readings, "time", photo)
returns 3 h 35 min
